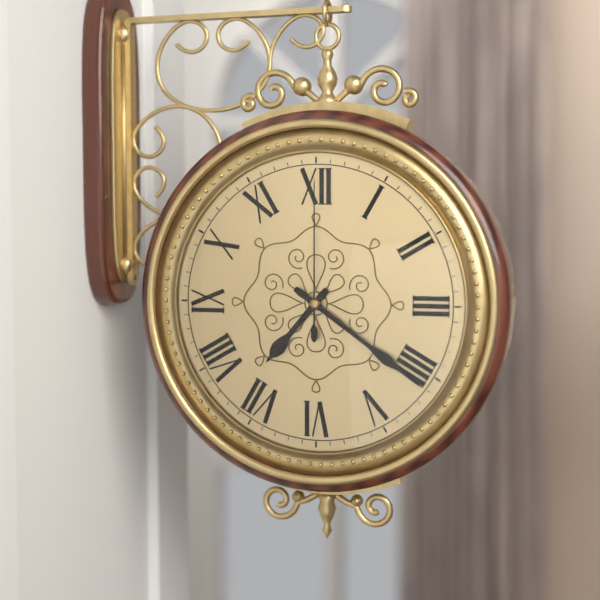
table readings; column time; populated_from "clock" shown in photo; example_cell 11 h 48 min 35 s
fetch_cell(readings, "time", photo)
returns 7 h 21 min 00 s
